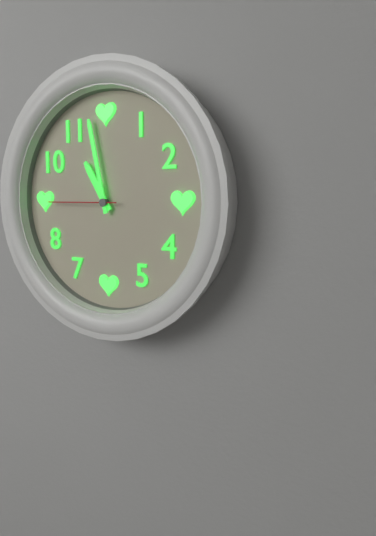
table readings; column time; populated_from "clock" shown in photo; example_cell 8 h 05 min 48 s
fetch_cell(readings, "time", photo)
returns 10 h 58 min 45 s
